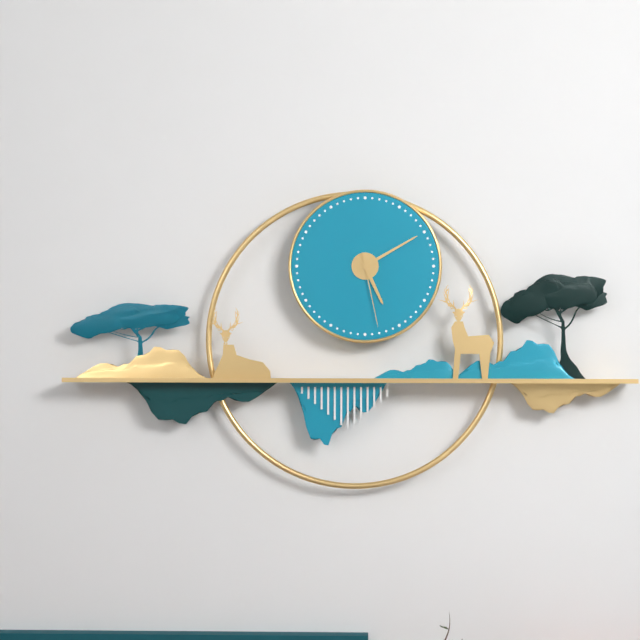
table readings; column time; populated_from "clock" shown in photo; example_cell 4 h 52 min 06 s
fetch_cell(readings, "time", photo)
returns 5 h 10 min 28 s
